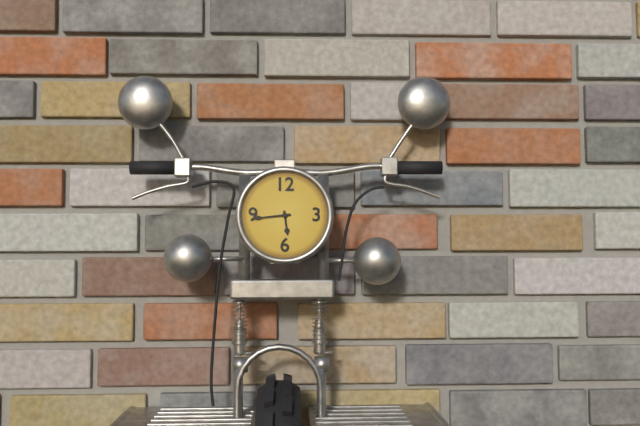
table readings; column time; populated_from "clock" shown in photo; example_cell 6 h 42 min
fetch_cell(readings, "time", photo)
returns 5 h 44 min
